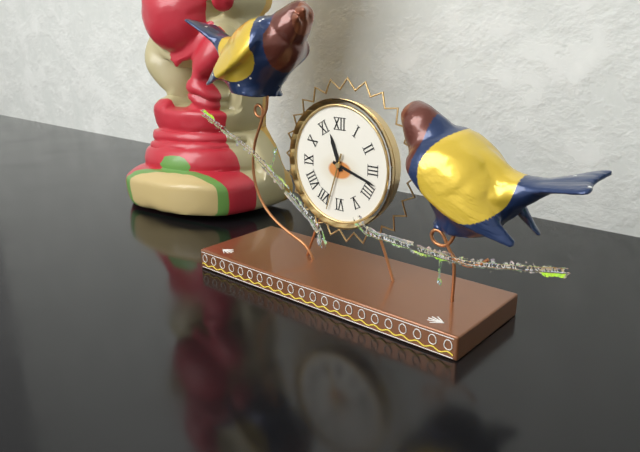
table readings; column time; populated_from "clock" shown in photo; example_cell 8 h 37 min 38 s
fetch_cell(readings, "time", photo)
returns 11 h 18 min 33 s
